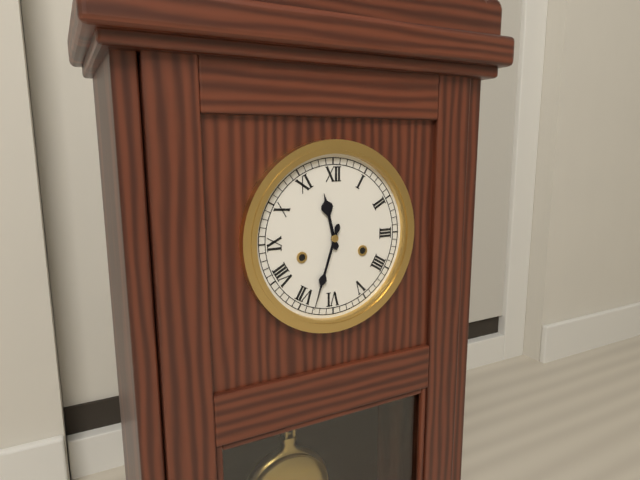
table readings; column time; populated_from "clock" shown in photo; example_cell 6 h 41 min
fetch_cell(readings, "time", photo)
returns 11 h 33 min
